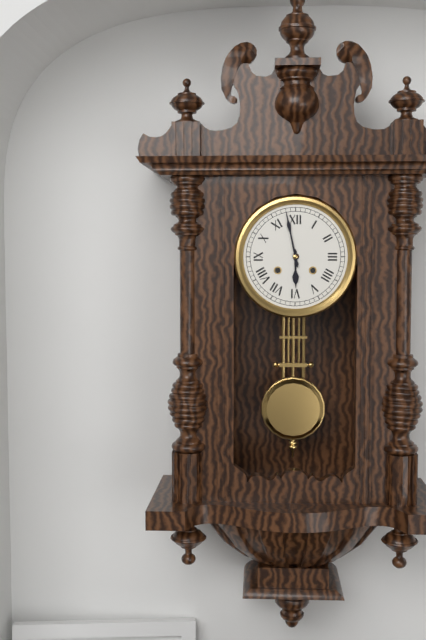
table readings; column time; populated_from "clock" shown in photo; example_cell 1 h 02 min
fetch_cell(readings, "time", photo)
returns 5 h 58 min
